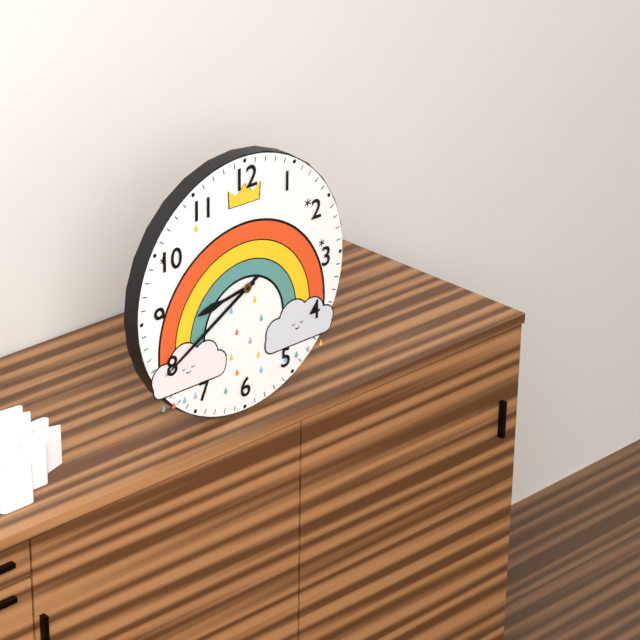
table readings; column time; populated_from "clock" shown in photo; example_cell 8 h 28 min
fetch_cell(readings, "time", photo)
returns 8 h 40 min
